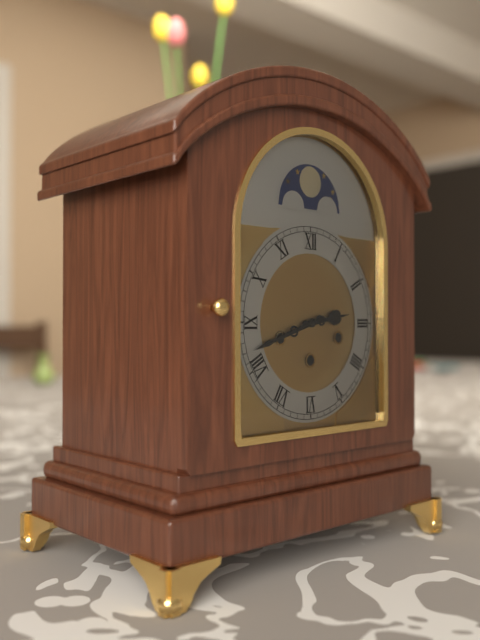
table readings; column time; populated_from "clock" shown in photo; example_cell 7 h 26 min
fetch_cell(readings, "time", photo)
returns 2 h 42 min
